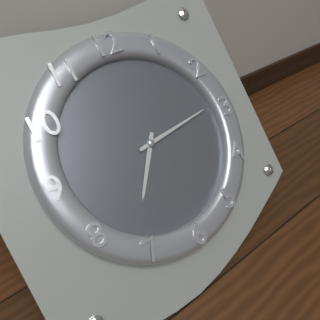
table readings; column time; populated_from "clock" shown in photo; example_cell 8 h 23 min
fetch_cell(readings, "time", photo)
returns 7 h 14 min
